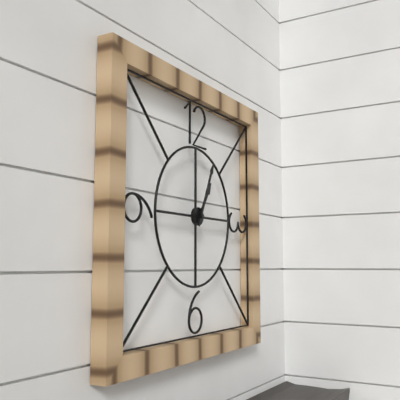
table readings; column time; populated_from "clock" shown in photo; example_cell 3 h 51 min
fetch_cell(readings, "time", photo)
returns 1 h 04 min
